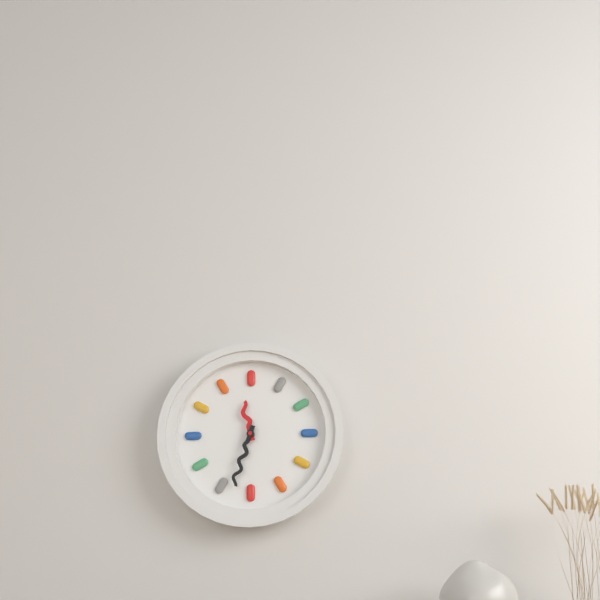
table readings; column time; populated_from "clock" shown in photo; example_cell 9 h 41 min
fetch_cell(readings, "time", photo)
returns 11 h 33 min
